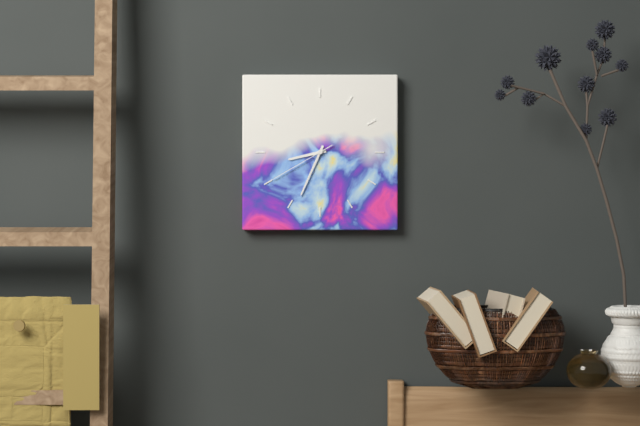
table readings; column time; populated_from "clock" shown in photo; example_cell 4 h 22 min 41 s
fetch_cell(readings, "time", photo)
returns 8 h 34 min 40 s
